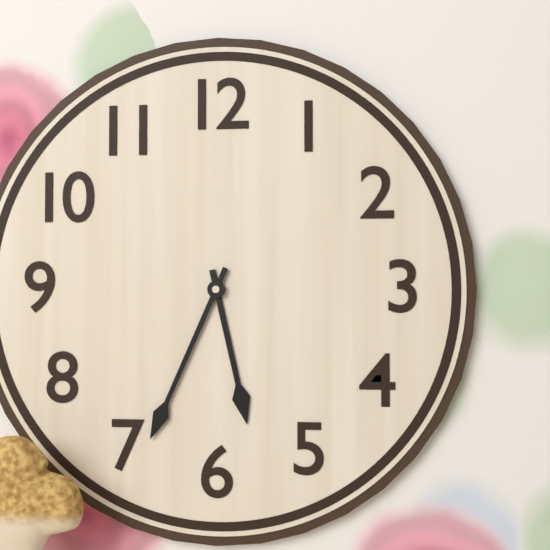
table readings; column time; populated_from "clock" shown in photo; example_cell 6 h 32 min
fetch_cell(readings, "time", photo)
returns 5 h 34 min
